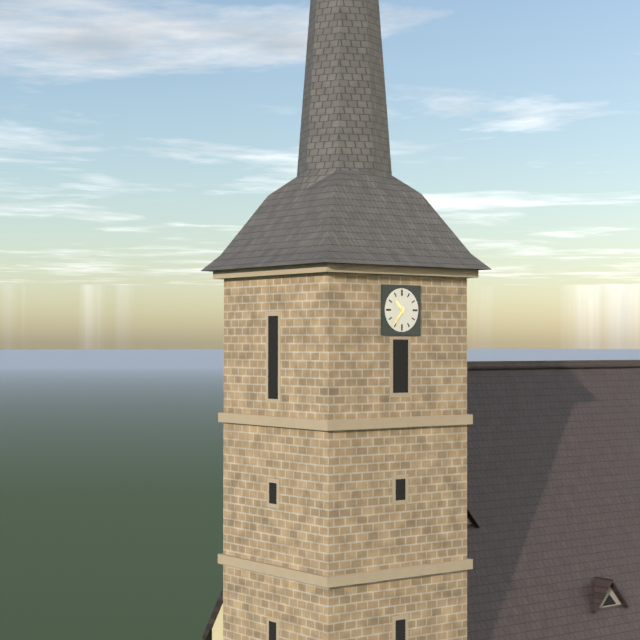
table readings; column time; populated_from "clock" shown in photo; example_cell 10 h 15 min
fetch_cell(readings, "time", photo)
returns 10 h 36 min
